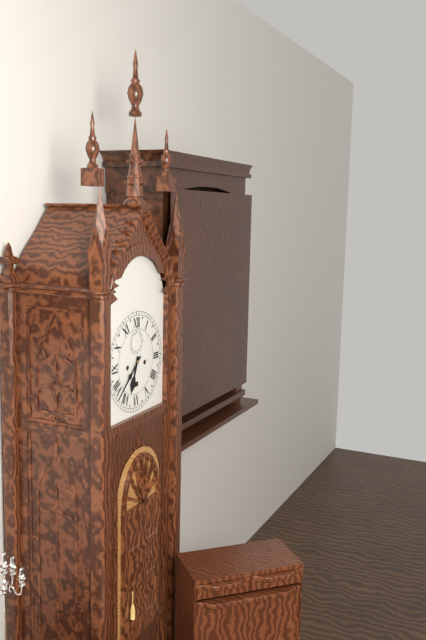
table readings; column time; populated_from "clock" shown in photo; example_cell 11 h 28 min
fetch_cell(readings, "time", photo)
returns 6 h 38 min
